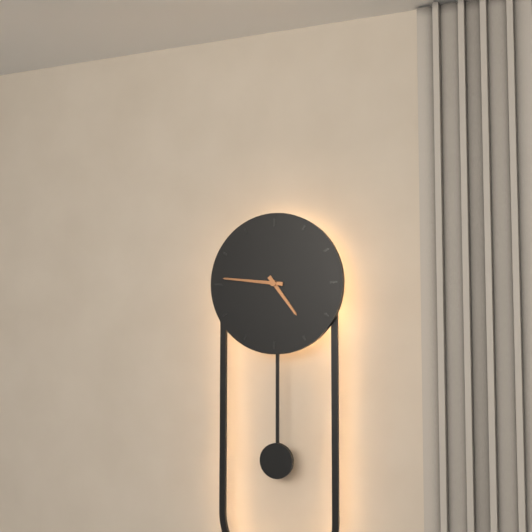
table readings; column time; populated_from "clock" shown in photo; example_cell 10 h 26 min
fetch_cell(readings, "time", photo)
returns 4 h 46 min
